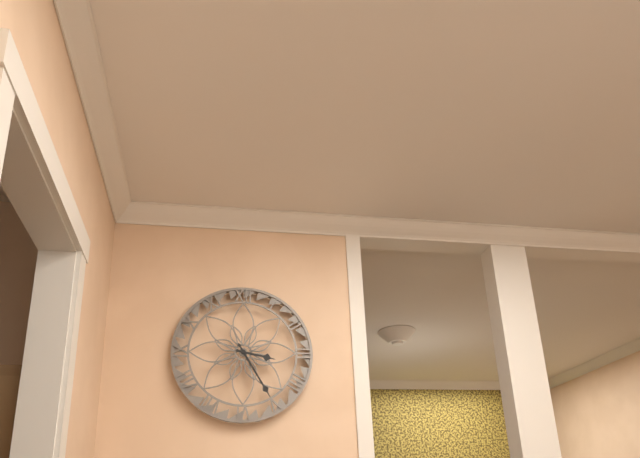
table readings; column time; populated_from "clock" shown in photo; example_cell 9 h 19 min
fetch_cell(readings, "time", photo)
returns 3 h 25 min
